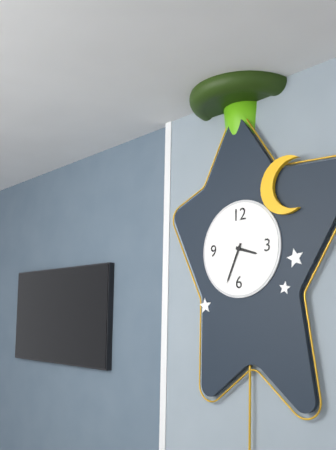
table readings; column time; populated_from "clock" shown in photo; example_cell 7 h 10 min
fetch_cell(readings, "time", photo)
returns 3 h 34 min
